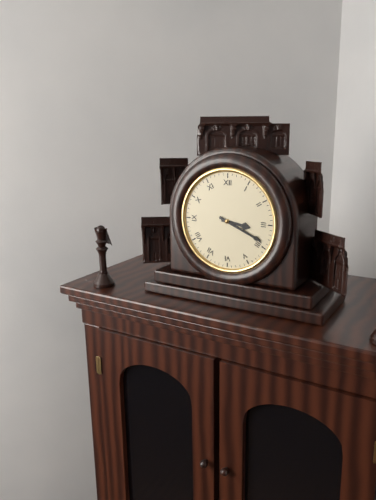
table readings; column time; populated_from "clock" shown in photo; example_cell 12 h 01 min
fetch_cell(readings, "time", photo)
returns 3 h 19 min
